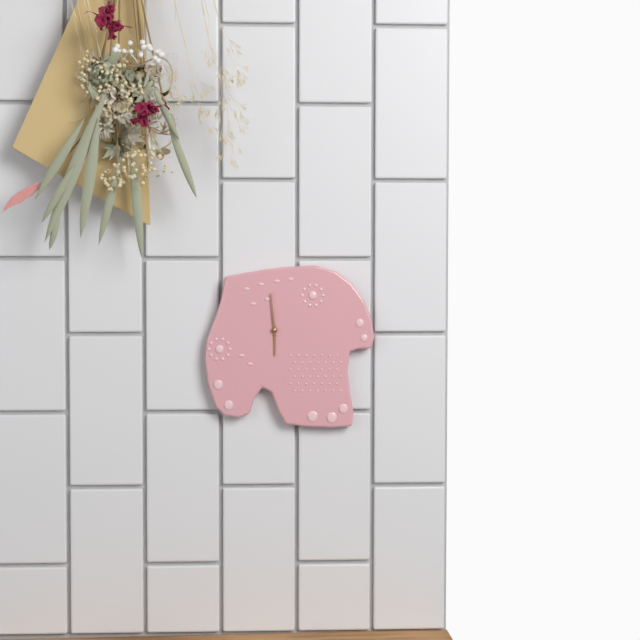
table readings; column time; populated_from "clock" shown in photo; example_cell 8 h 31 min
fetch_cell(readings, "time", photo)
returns 5 h 59 min
